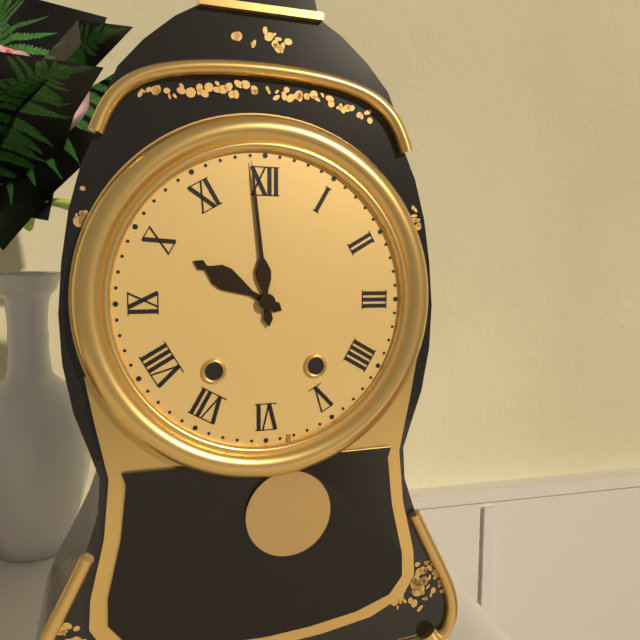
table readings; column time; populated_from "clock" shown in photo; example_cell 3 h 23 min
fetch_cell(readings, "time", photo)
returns 9 h 59 min
